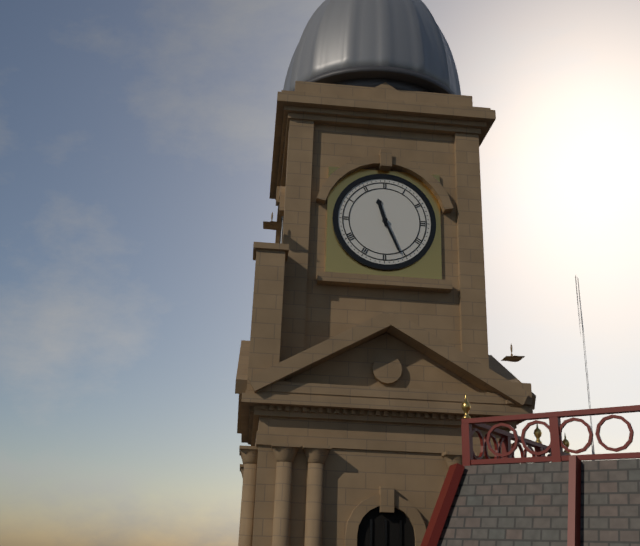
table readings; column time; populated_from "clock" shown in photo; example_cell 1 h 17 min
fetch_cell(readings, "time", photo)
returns 11 h 26 min
